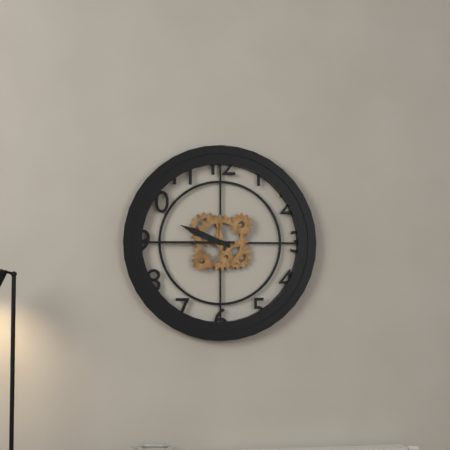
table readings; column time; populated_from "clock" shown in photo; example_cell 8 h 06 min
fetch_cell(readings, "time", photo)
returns 9 h 45 min
